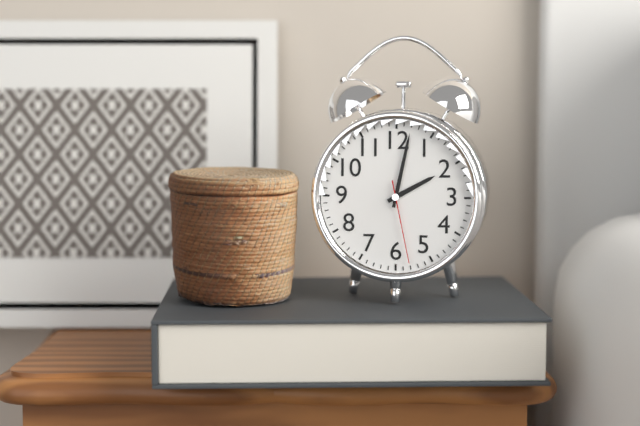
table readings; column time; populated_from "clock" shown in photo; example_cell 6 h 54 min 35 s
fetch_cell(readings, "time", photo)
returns 2 h 02 min 28 s
